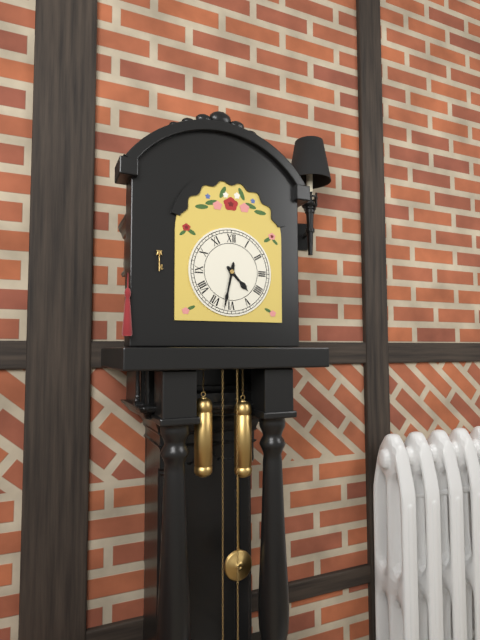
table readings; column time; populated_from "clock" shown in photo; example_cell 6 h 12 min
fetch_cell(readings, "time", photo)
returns 4 h 32 min
